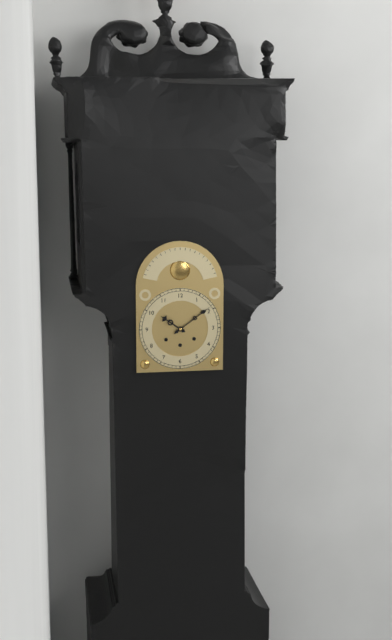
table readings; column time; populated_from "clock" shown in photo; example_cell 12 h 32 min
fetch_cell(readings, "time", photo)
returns 10 h 09 min
